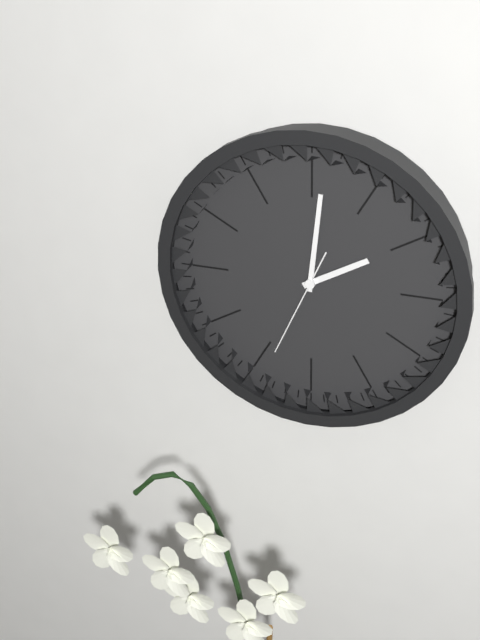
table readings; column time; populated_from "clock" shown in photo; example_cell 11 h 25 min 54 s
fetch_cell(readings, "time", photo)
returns 2 h 01 min 34 s
